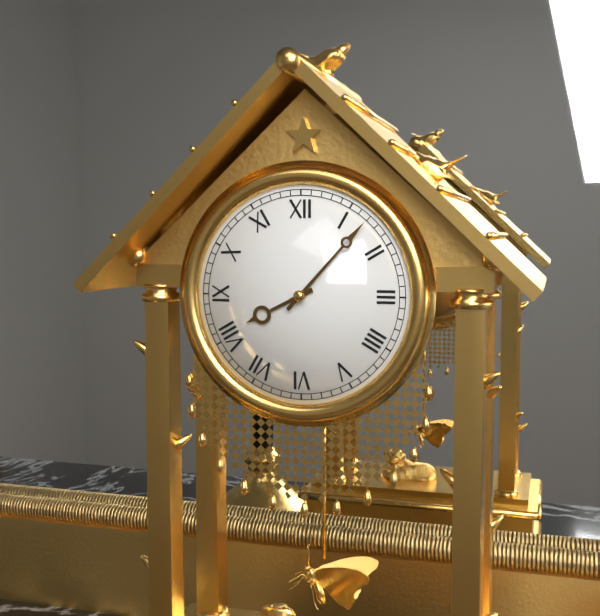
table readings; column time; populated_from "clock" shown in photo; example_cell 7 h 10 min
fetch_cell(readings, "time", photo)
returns 8 h 07 min
